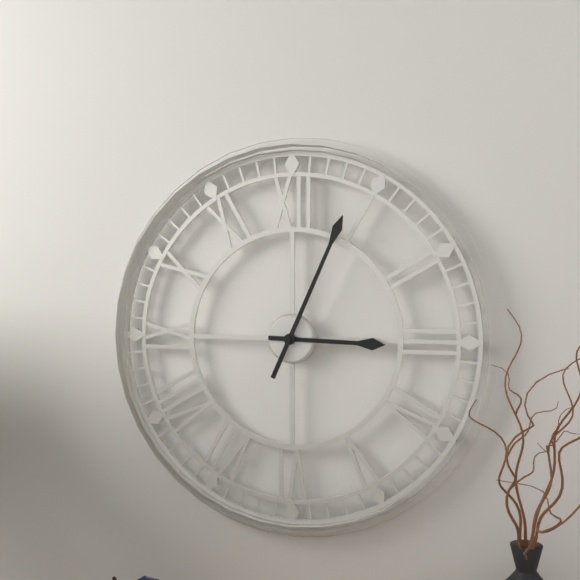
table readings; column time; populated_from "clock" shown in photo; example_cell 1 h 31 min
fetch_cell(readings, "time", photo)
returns 3 h 04 min
